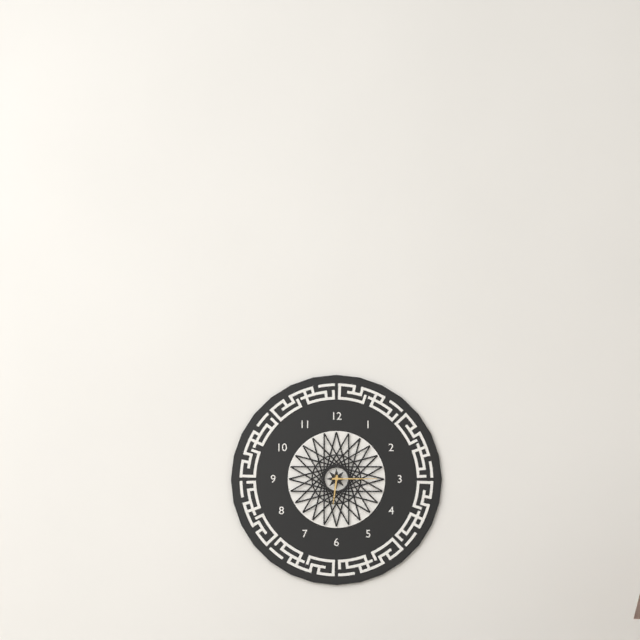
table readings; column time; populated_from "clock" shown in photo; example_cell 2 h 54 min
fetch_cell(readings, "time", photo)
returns 6 h 15 min
